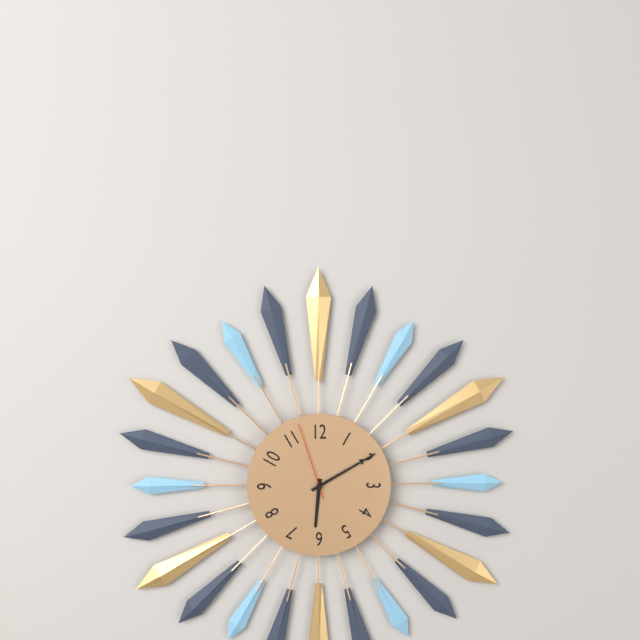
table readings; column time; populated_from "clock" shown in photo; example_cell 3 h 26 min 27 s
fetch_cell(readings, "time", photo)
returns 6 h 10 min 57 s
